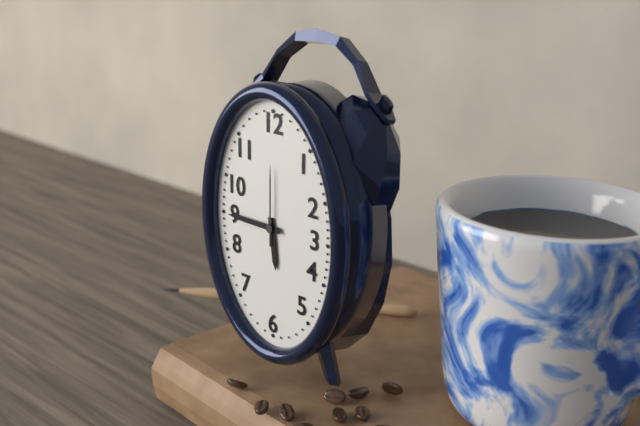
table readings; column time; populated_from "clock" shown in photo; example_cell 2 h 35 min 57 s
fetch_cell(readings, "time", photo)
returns 5 h 45 min 00 s
